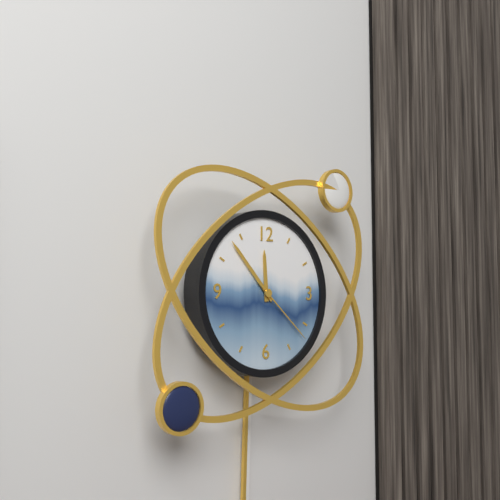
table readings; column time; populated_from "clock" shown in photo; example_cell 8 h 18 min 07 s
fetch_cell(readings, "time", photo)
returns 11 h 53 min 22 s
